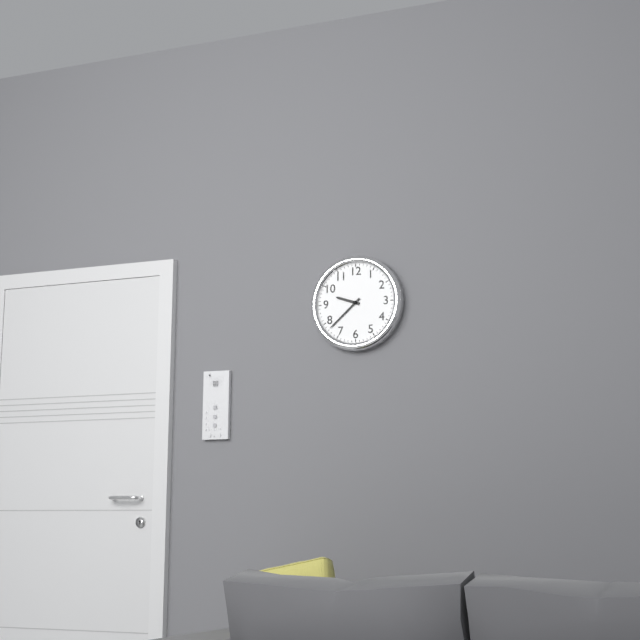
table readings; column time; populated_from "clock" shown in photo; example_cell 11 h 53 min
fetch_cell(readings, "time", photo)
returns 9 h 38 min
